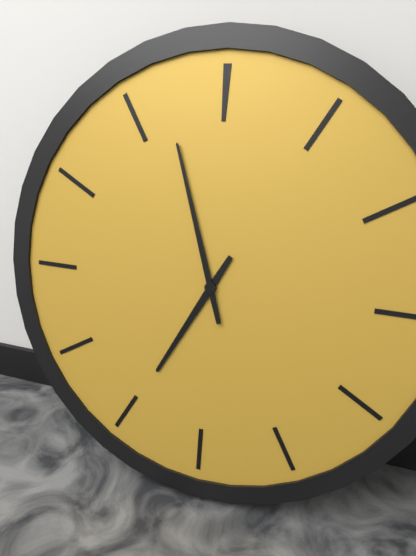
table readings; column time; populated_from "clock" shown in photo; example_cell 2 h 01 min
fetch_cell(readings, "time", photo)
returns 6 h 57 min
